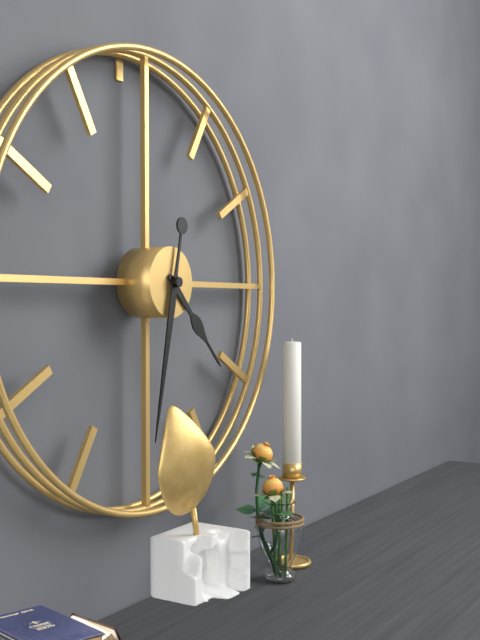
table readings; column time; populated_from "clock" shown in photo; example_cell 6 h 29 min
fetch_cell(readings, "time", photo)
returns 4 h 32 min
